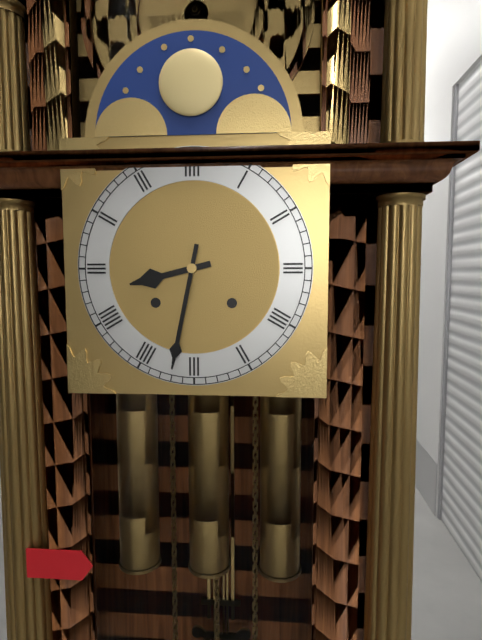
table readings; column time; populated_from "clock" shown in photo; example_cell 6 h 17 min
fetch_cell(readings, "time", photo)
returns 8 h 32 min
